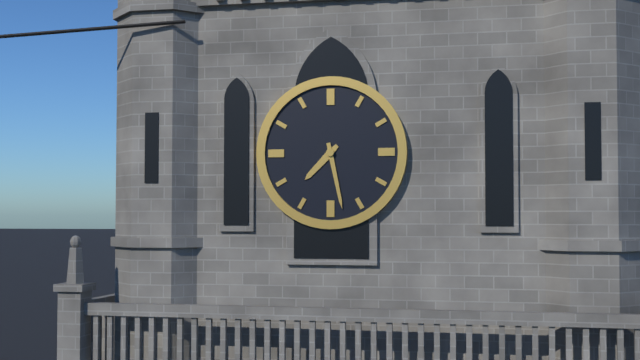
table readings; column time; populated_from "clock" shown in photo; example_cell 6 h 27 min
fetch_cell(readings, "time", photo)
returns 7 h 28 min
